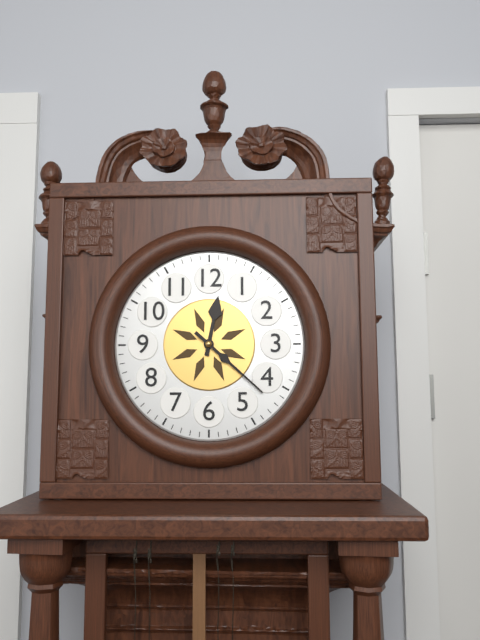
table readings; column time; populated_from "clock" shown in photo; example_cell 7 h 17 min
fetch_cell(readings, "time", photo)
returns 12 h 22 min
